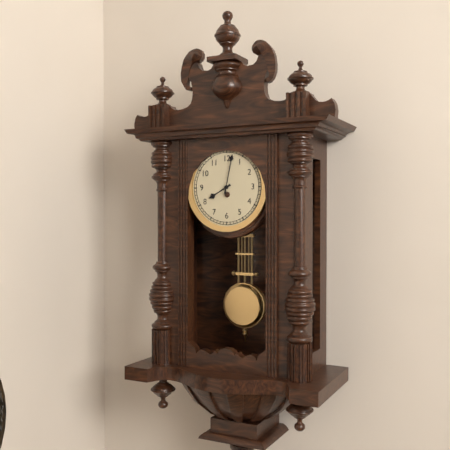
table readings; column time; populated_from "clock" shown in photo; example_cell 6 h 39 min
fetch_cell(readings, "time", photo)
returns 8 h 02 min
